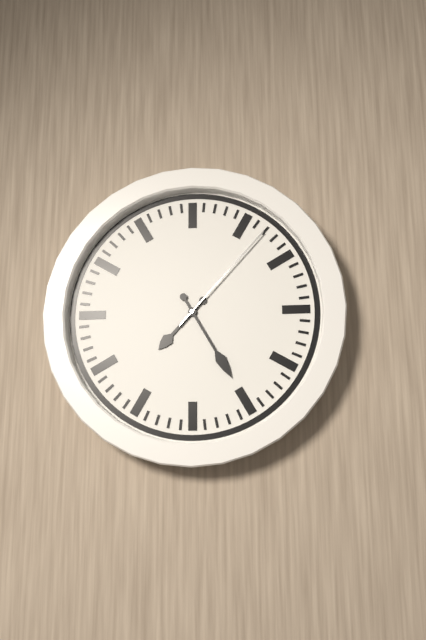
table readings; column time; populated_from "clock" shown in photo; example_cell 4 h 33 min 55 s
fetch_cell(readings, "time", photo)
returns 7 h 25 min 07 s
